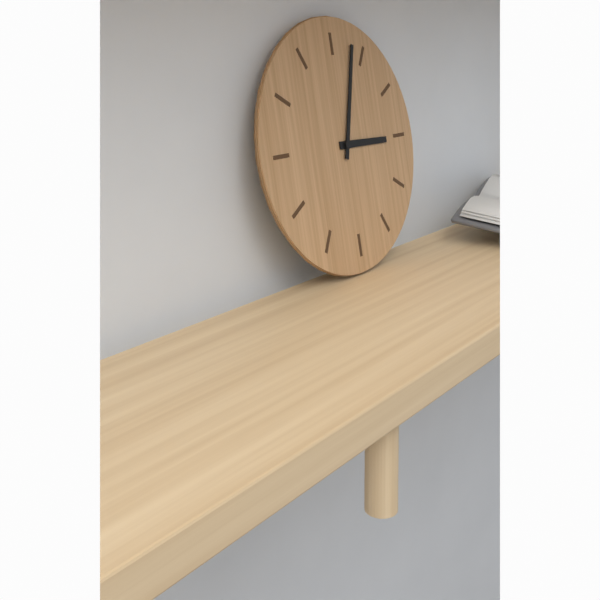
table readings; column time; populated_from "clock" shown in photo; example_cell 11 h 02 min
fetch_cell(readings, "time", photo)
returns 3 h 03 min
